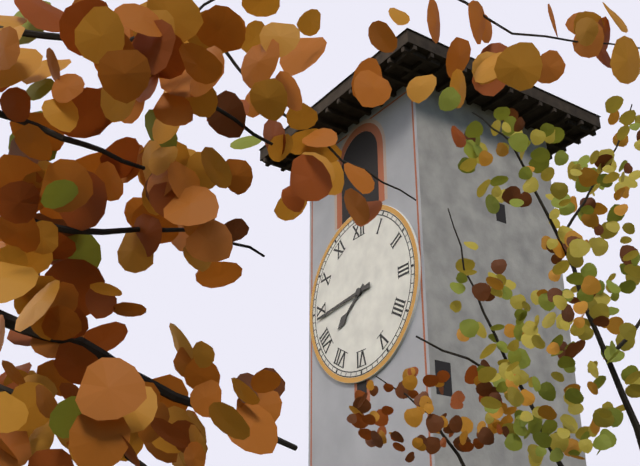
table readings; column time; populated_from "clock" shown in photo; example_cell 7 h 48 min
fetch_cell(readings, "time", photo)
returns 7 h 44 min
